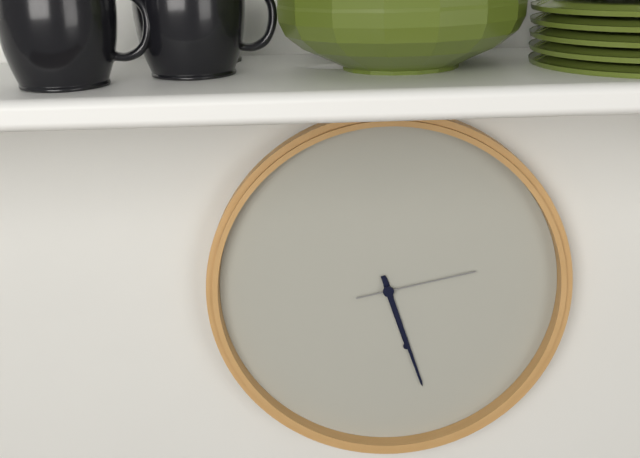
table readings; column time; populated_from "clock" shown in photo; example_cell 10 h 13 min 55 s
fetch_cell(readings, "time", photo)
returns 5 h 27 min 13 s
